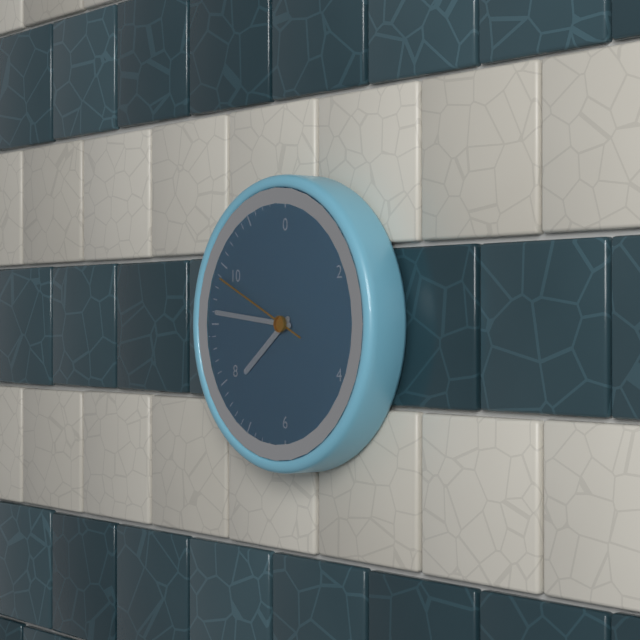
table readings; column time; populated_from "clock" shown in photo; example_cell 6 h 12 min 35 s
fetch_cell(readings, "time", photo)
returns 7 h 46 min 49 s
